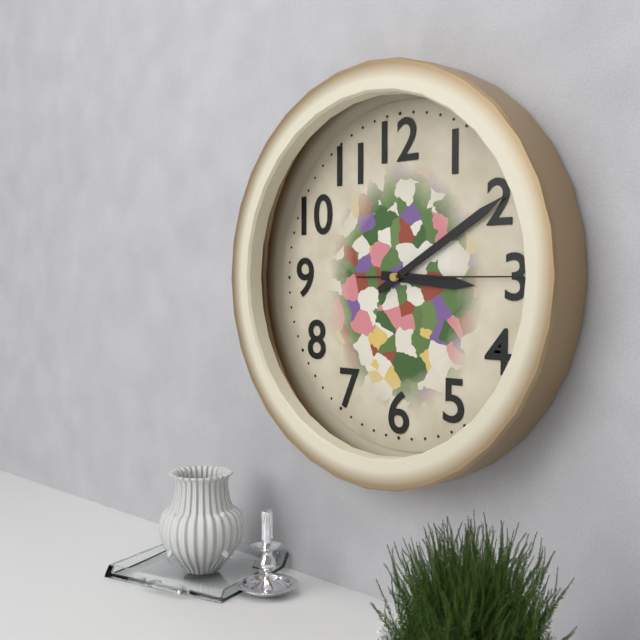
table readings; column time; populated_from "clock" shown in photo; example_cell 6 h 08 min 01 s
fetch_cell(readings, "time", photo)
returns 3 h 10 min 15 s
